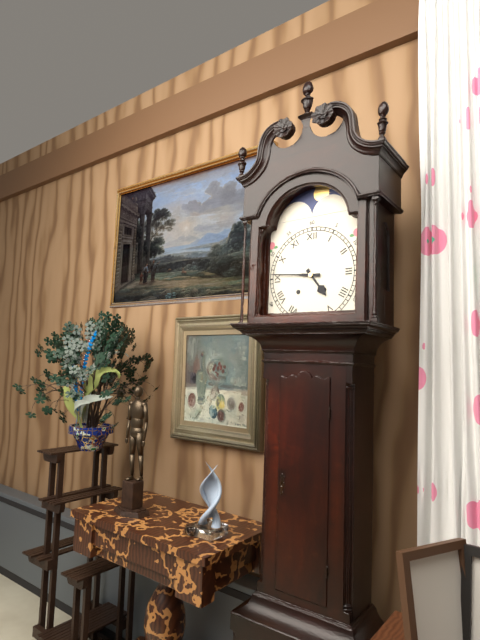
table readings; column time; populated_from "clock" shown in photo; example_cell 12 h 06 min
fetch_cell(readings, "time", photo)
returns 4 h 46 min
